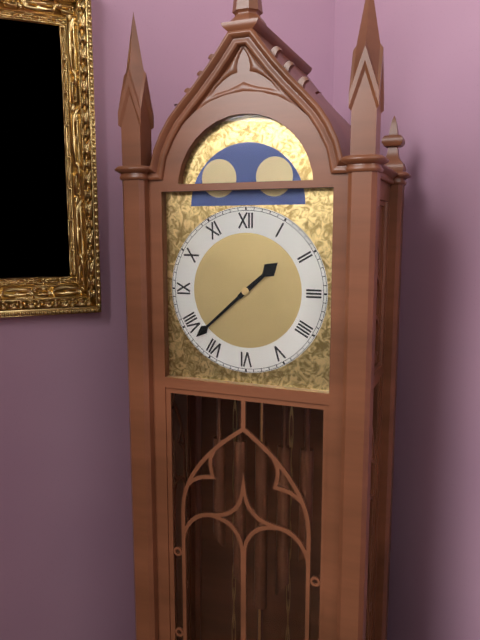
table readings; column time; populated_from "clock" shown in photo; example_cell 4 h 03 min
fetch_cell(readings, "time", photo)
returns 1 h 38 min
